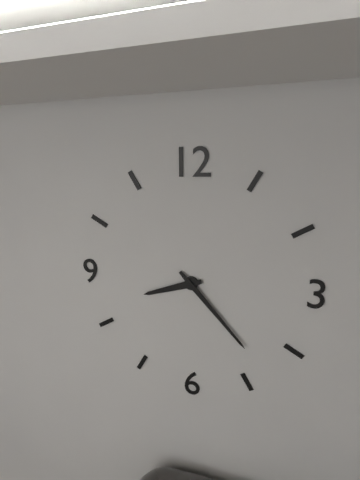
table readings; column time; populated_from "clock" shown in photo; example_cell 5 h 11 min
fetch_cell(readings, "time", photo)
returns 8 h 23 min
